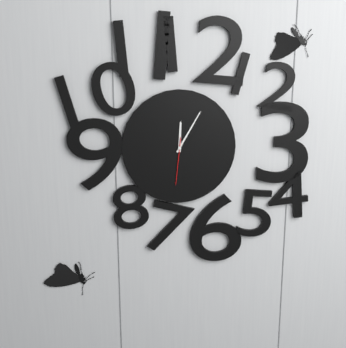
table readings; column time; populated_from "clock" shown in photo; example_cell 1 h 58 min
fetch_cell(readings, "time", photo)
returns 12 h 05 min
